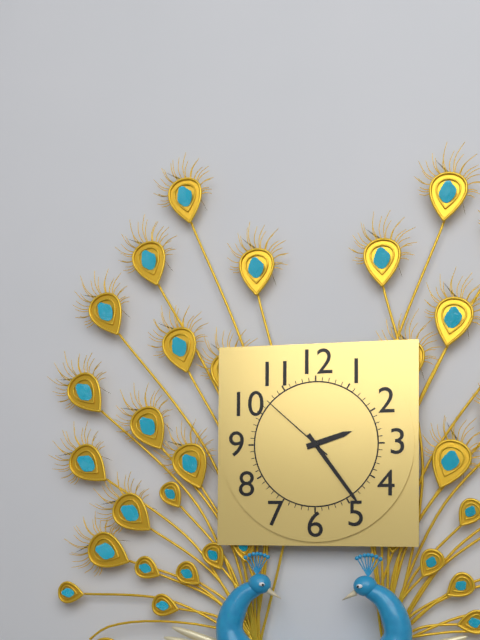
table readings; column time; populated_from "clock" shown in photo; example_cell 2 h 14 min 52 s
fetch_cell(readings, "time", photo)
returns 2 h 24 min 52 s
